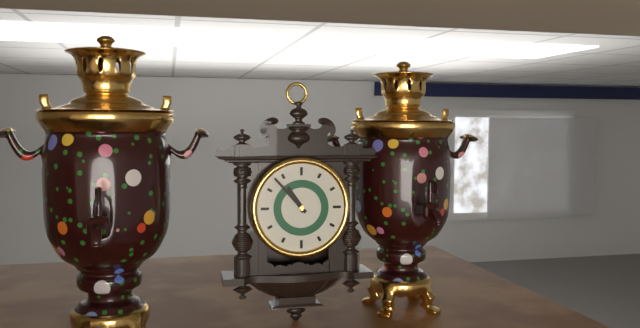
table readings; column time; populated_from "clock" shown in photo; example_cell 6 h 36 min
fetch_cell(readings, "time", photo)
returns 10 h 53 min
